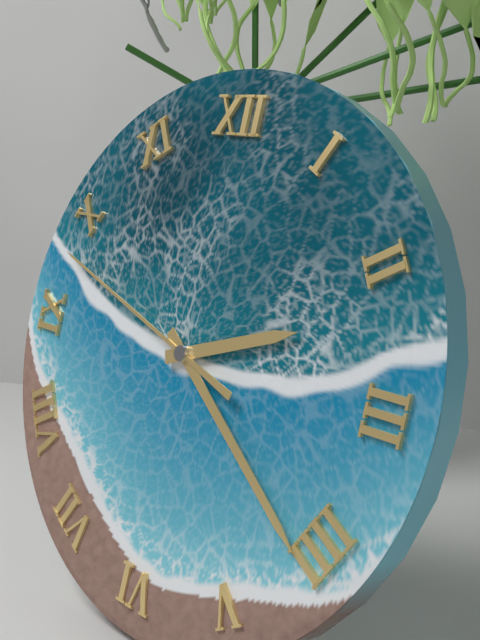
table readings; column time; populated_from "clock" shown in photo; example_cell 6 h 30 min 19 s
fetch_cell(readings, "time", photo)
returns 2 h 21 min 48 s
